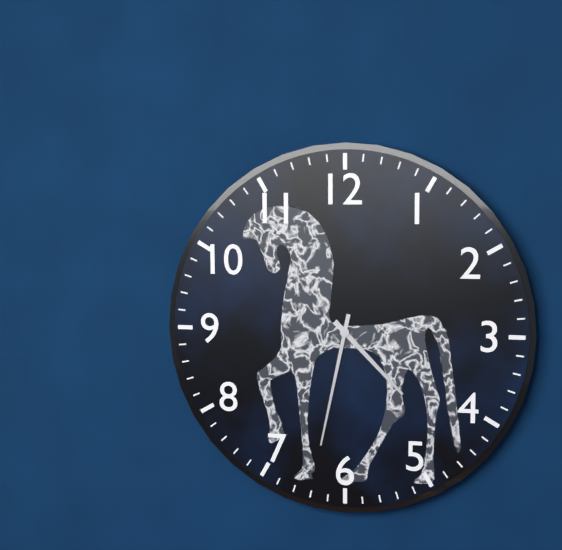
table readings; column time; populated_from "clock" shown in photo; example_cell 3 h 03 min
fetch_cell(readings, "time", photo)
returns 4 h 32 min
